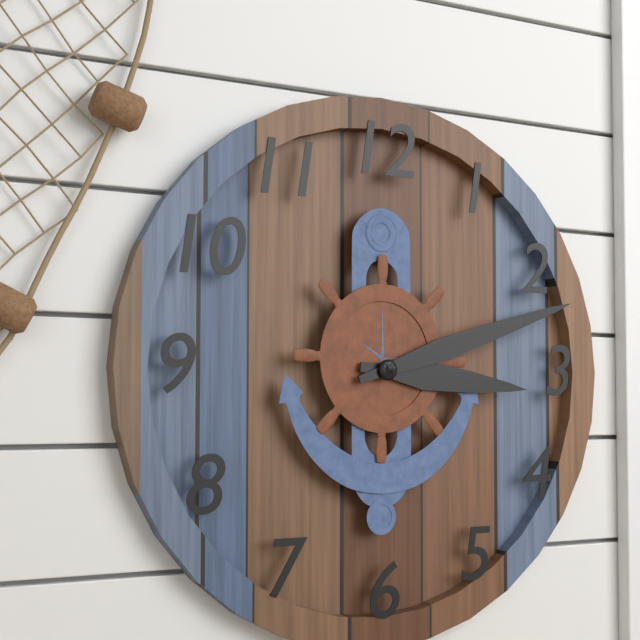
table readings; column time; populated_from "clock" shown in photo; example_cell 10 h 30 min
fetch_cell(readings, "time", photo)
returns 3 h 12 min
